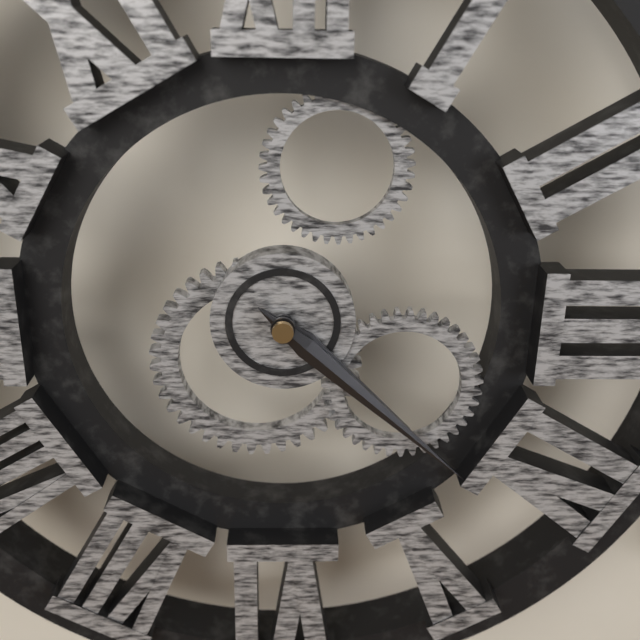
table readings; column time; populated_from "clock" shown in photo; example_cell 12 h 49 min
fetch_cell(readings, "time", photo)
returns 4 h 22 min
